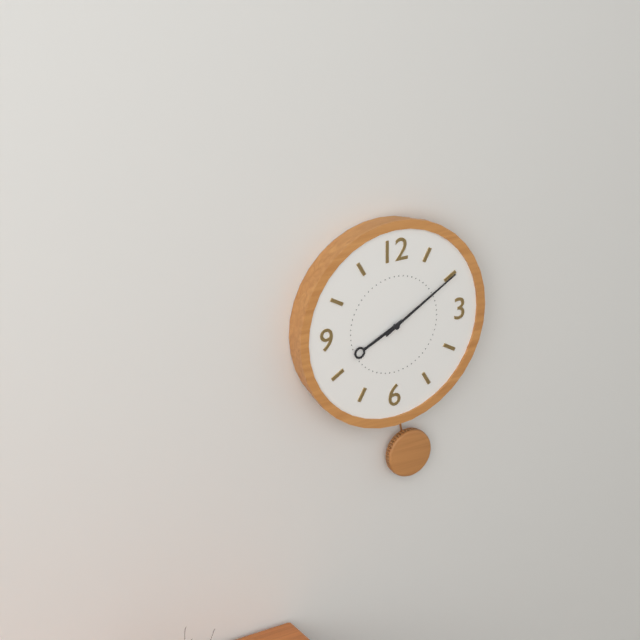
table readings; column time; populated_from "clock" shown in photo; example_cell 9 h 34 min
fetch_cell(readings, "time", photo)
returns 8 h 10 min
